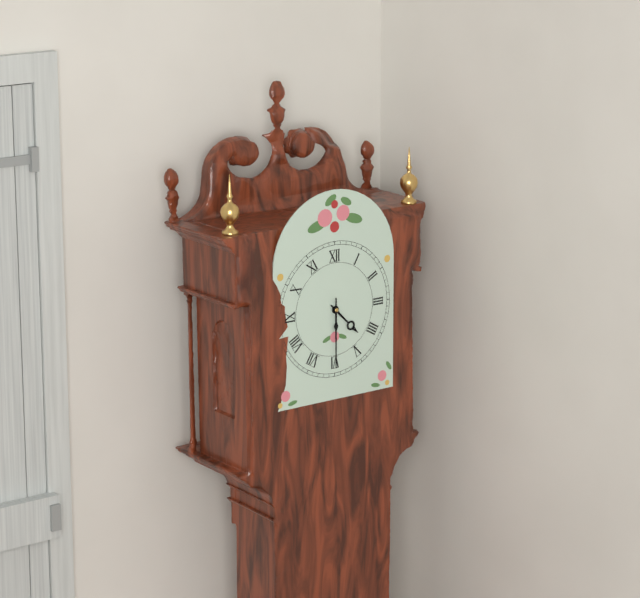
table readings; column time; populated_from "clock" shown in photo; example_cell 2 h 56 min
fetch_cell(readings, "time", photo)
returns 4 h 30 min
